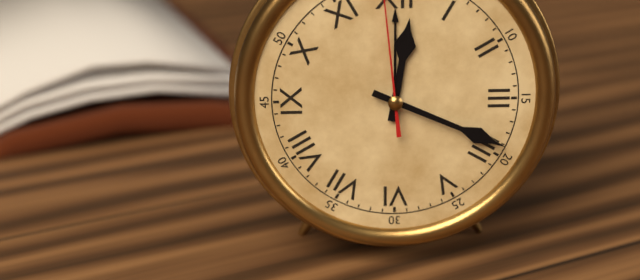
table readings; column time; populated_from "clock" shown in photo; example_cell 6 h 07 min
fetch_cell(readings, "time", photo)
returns 12 h 19 min
